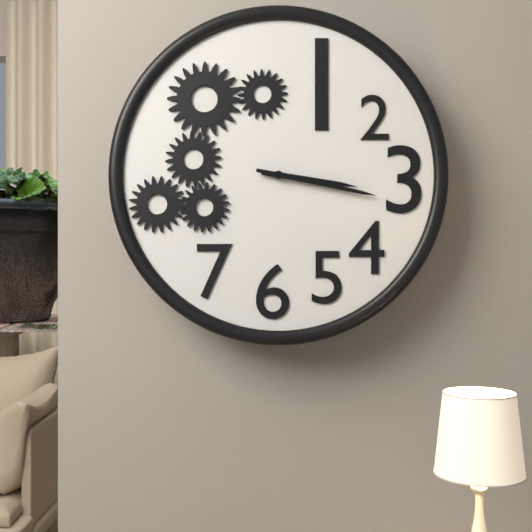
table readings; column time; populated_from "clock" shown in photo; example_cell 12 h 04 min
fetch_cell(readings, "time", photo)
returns 3 h 17 min
